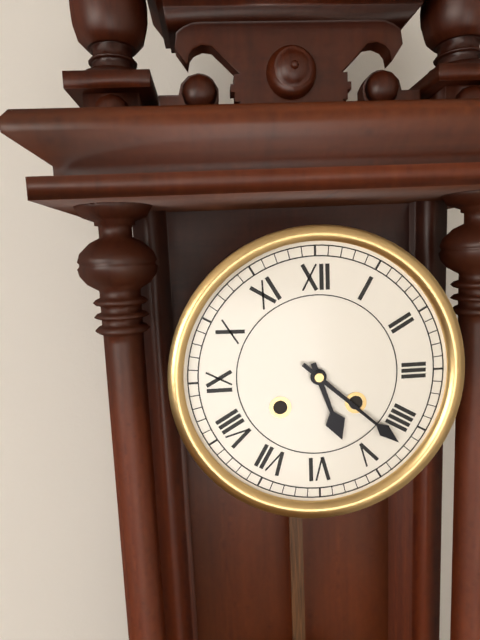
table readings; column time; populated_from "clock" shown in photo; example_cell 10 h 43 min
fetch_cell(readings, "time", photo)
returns 5 h 22 min
